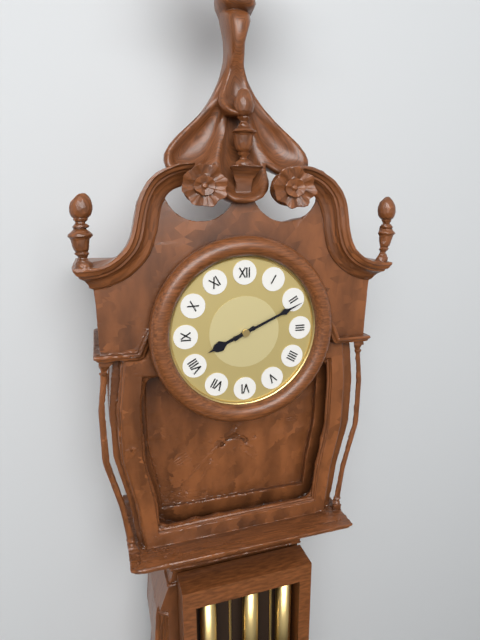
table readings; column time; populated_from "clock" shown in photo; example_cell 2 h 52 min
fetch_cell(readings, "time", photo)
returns 8 h 11 min
